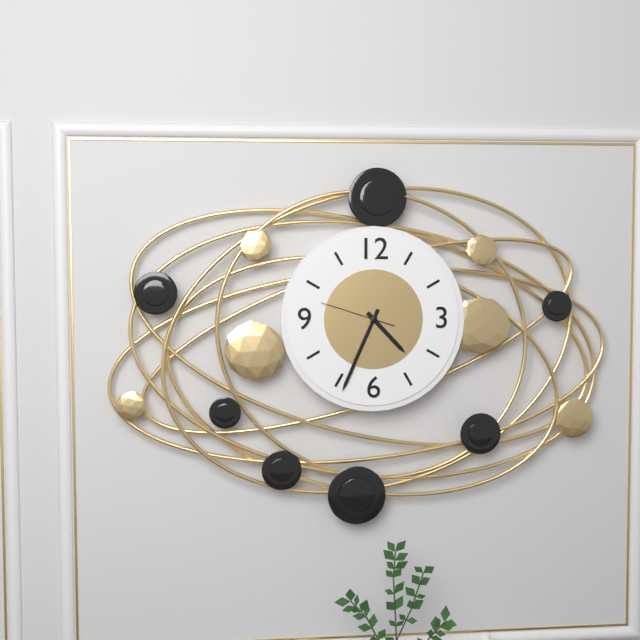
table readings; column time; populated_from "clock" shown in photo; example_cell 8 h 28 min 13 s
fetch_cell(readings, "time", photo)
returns 4 h 34 min 48 s
